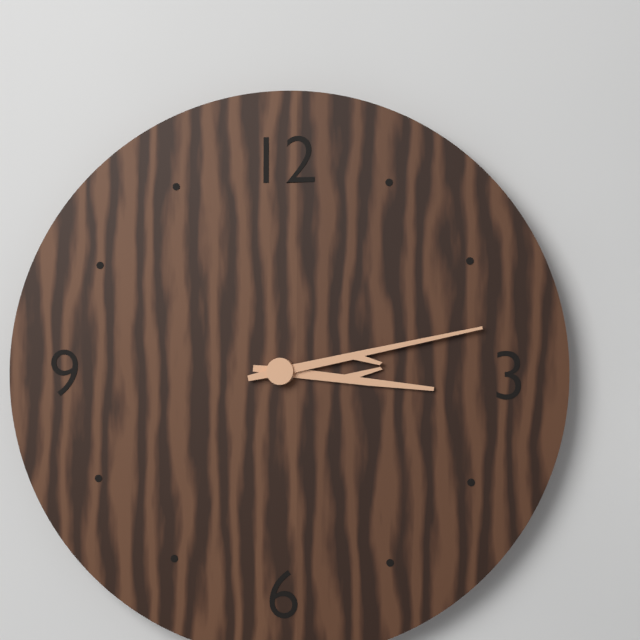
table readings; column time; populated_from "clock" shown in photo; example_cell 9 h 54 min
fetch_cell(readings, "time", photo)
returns 3 h 13 min
